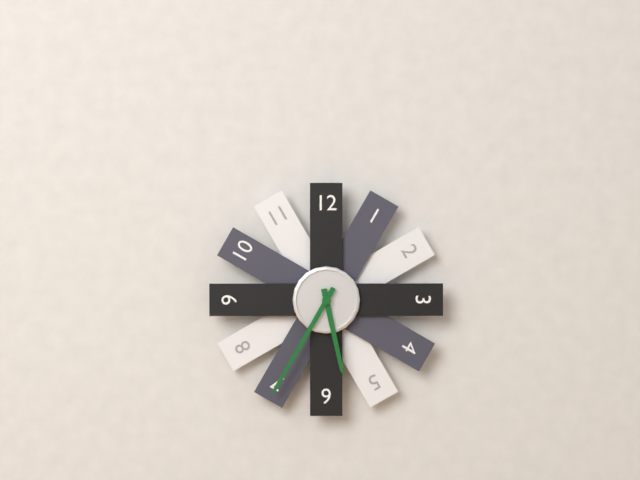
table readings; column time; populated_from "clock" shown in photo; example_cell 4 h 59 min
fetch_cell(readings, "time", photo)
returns 5 h 35 min
